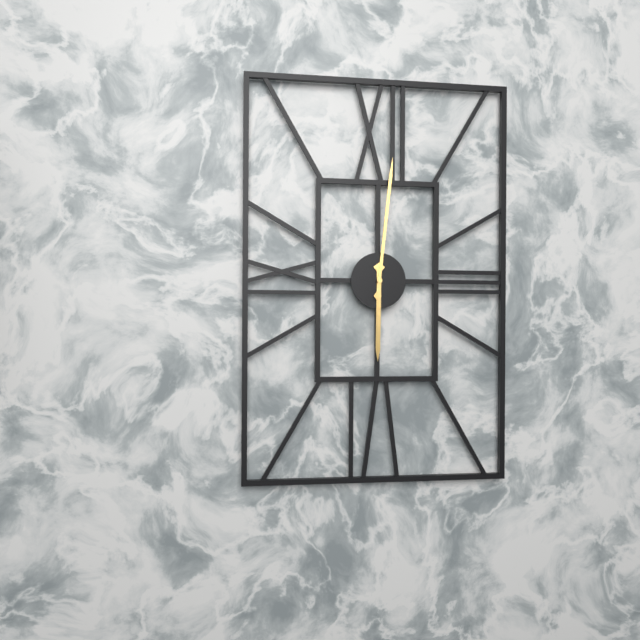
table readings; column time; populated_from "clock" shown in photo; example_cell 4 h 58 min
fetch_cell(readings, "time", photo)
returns 6 h 01 min
